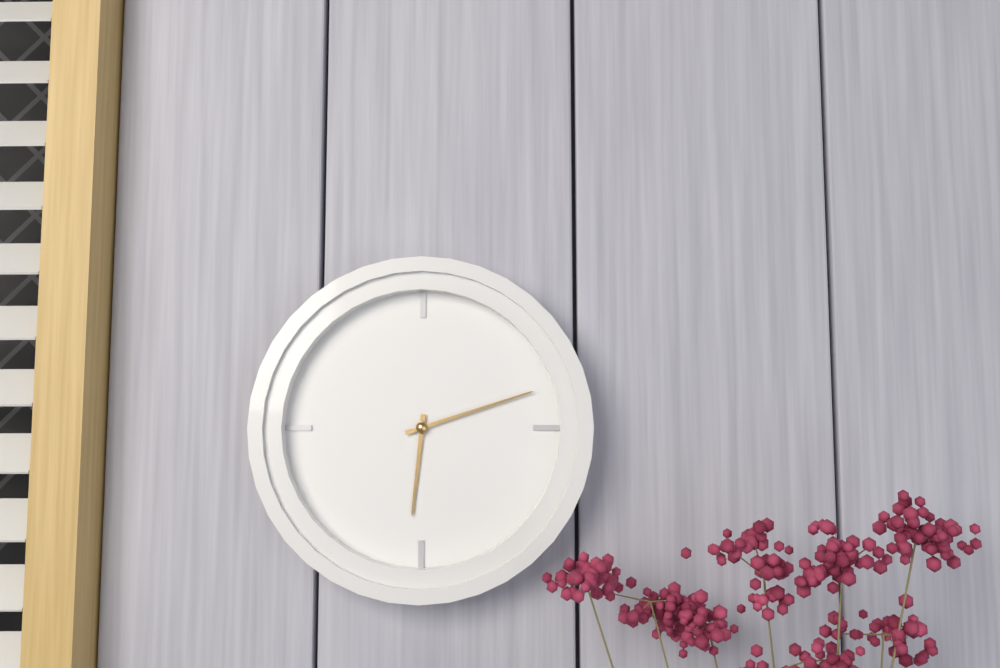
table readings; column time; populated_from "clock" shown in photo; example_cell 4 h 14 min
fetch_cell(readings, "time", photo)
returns 6 h 12 min
